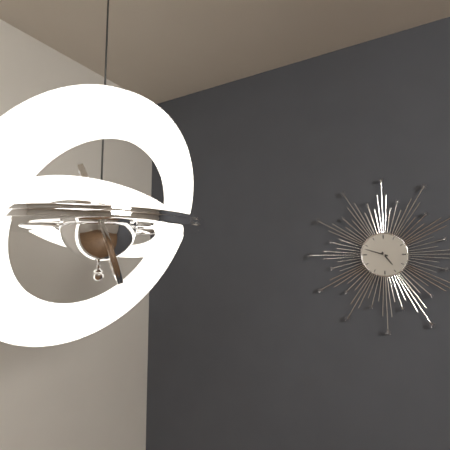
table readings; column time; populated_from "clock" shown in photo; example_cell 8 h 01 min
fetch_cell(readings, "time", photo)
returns 4 h 48 min
